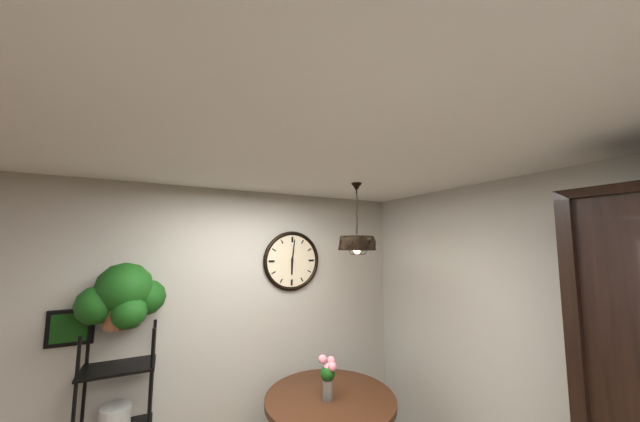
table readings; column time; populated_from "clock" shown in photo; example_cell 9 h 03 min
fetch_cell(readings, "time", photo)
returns 6 h 01 min
